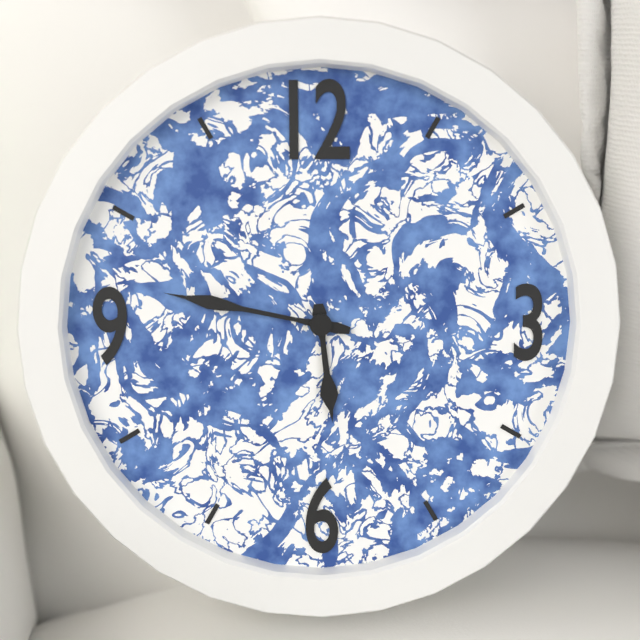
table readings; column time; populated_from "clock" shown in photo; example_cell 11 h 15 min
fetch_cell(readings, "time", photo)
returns 5 h 47 min
